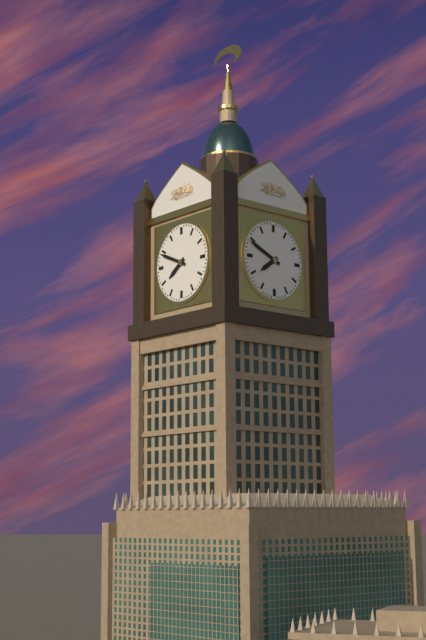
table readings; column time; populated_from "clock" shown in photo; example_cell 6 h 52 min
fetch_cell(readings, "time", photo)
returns 7 h 49 min
